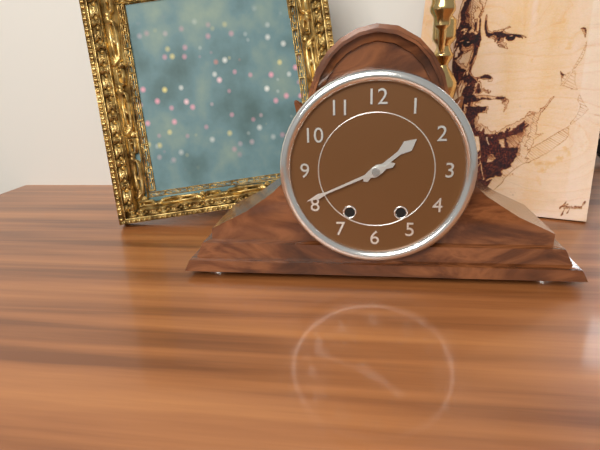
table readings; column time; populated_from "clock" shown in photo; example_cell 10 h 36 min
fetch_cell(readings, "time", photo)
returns 1 h 41 min
